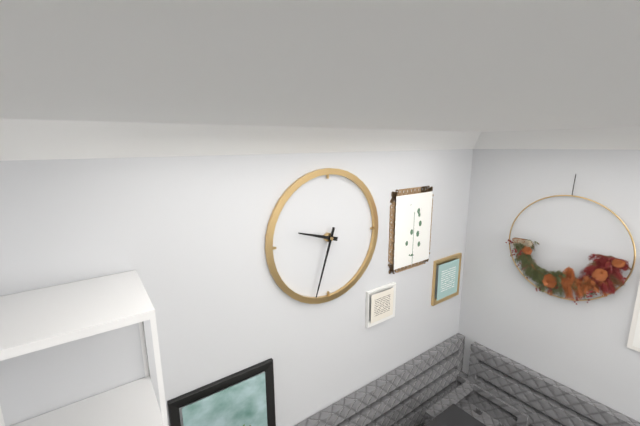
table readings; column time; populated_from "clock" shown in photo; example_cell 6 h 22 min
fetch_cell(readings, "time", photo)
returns 9 h 33 min
